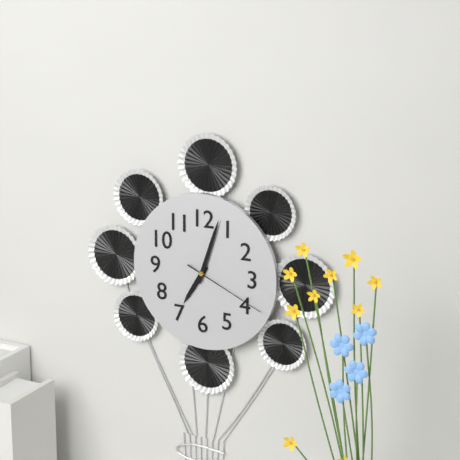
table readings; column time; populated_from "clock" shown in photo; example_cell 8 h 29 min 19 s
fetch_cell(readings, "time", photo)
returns 7 h 03 min 19 s
